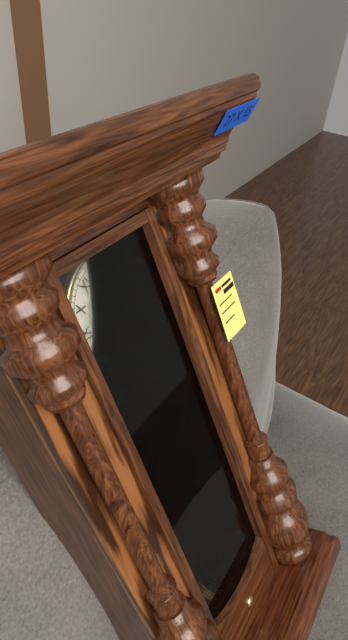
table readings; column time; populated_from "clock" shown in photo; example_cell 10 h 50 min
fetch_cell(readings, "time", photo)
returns 4 h 02 min
